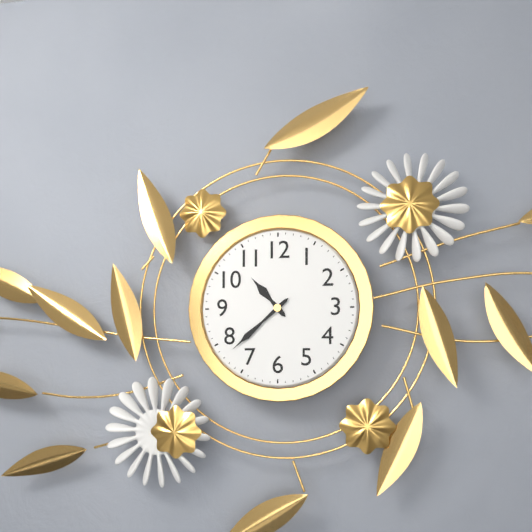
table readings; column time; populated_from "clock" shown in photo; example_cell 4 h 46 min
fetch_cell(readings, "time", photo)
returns 10 h 38 min
